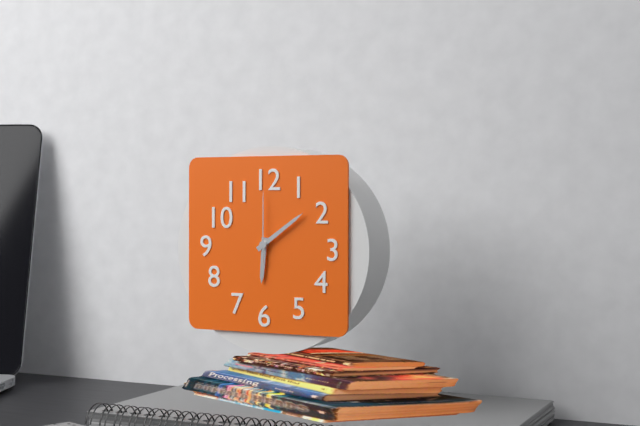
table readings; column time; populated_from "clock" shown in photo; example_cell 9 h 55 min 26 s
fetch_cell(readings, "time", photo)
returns 6 h 09 min 00 s
